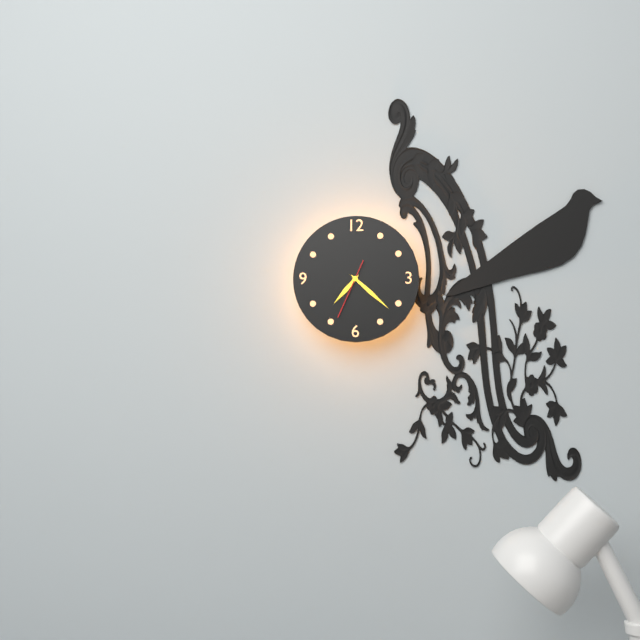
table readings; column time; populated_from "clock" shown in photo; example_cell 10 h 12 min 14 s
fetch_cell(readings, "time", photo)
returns 7 h 22 min 34 s
